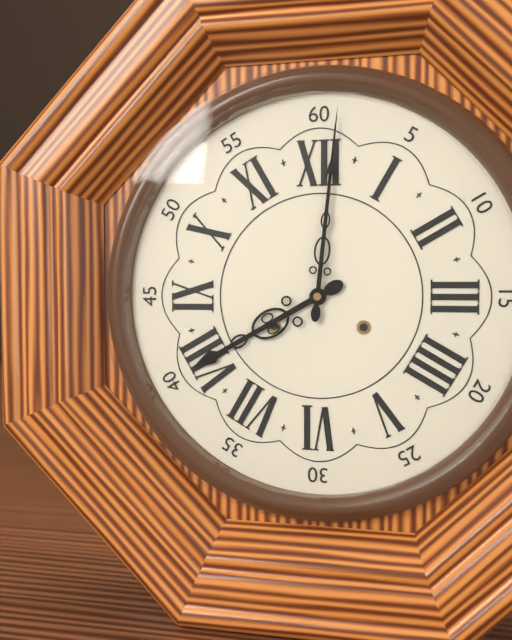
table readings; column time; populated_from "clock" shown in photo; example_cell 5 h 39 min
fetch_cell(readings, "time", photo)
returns 8 h 01 min
